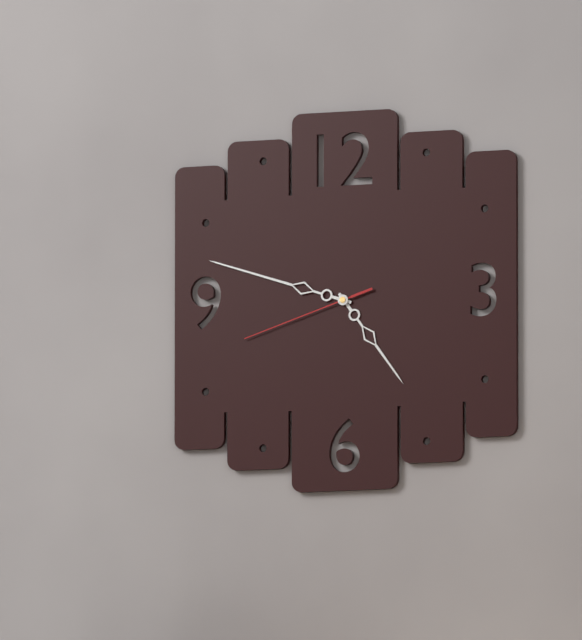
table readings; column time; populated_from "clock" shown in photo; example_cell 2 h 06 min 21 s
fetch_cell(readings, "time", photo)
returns 4 h 48 min 42 s
